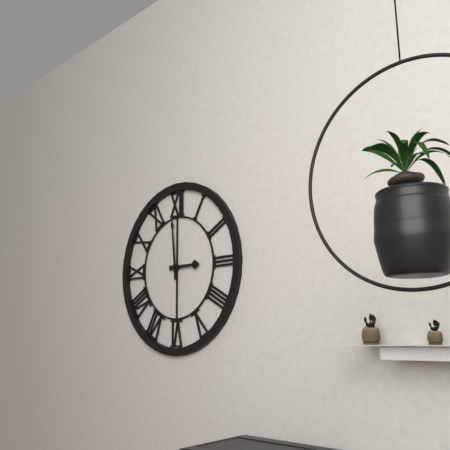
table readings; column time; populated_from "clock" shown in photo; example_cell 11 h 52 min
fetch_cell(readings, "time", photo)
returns 2 h 59 min
